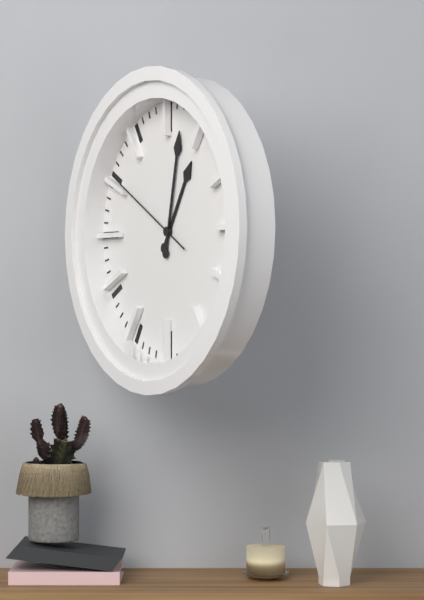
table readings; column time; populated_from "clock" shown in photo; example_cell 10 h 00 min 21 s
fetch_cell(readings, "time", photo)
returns 1 h 02 min 50 s
